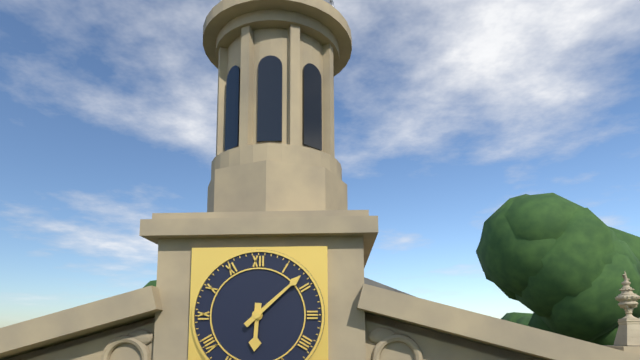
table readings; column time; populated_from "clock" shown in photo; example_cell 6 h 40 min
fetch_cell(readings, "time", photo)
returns 6 h 08 min
